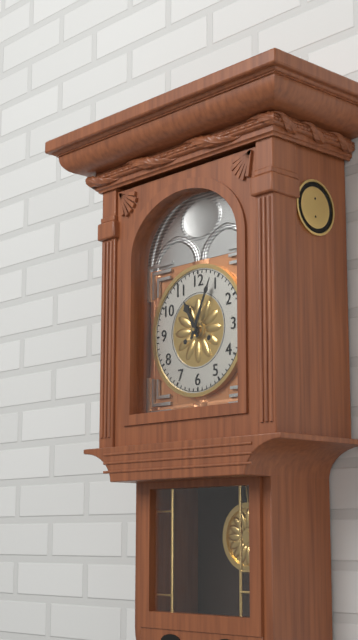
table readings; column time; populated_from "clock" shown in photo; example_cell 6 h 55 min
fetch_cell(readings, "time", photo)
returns 11 h 04 min
